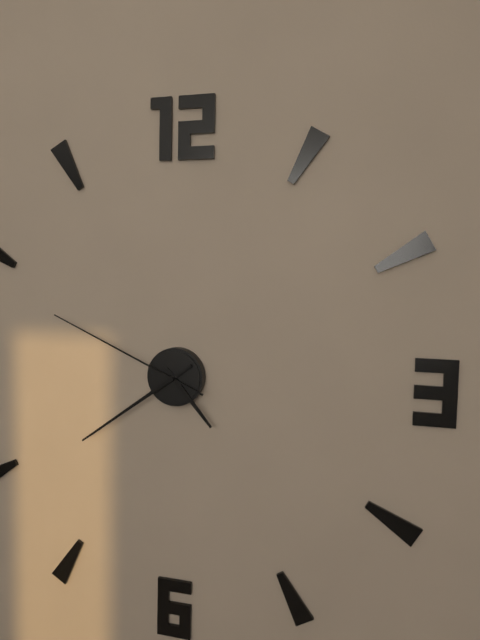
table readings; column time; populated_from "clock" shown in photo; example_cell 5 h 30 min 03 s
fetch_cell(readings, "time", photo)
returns 4 h 39 min 49 s
